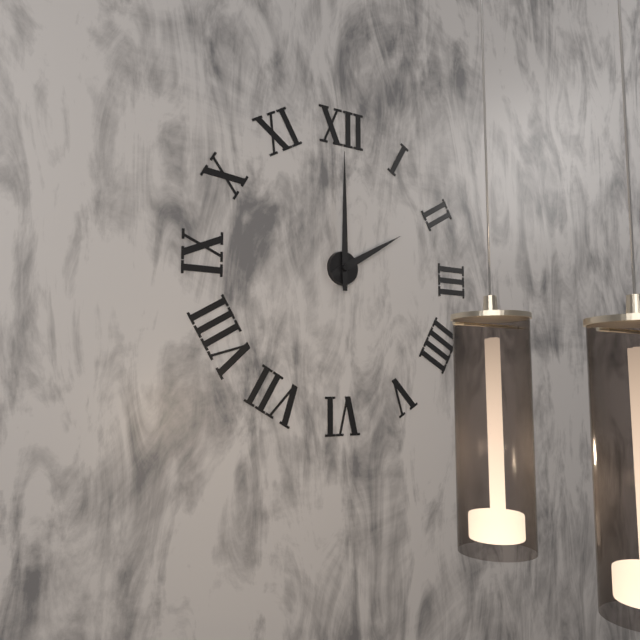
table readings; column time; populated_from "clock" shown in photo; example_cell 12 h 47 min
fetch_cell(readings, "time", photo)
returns 2 h 00 min
